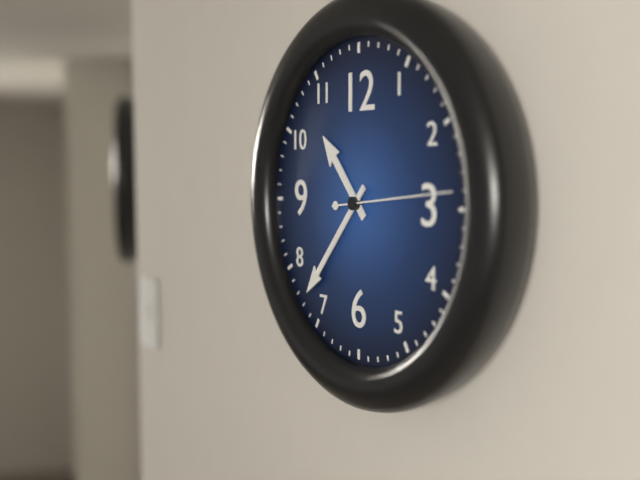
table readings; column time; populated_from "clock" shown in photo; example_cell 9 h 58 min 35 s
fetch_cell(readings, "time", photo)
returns 10 h 37 min 14 s
